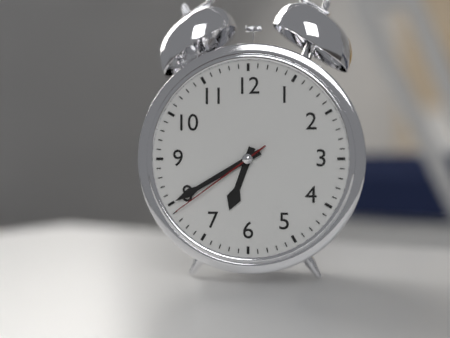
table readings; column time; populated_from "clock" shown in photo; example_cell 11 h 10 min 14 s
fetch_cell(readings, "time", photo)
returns 6 h 40 min 39 s
